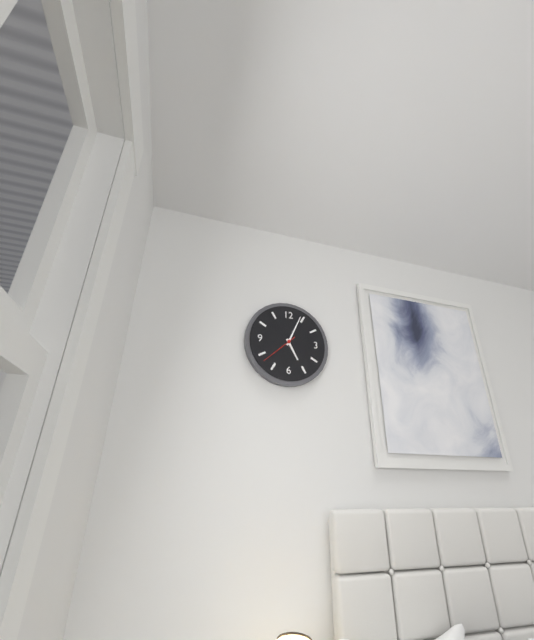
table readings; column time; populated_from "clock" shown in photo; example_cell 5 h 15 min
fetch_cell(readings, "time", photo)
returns 5 h 04 min
